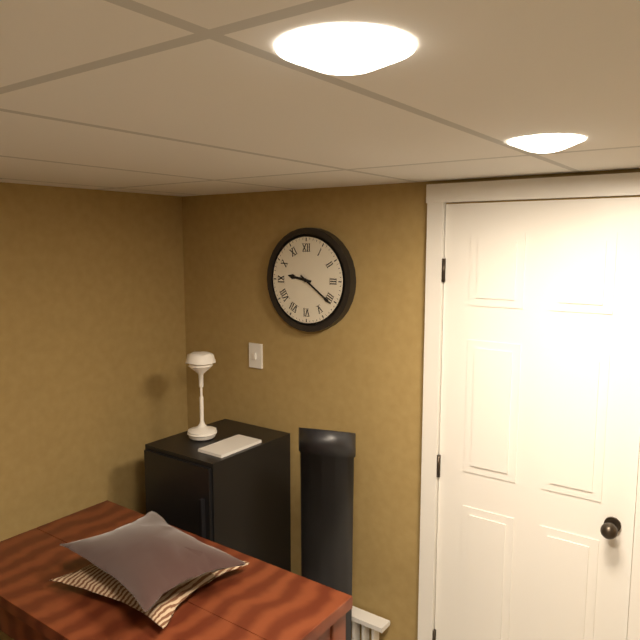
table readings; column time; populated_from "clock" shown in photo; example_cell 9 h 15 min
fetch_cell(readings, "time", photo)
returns 9 h 21 min
